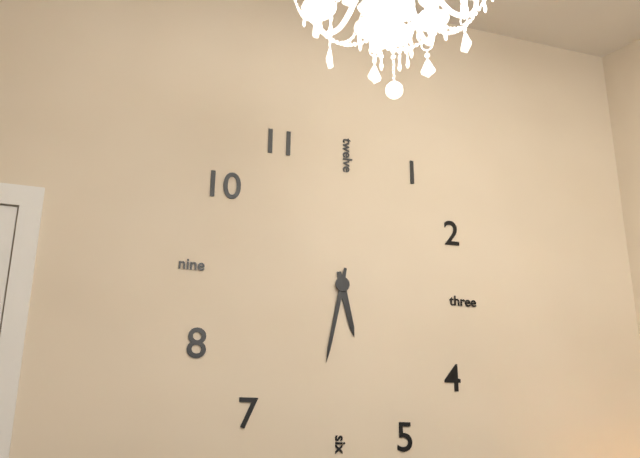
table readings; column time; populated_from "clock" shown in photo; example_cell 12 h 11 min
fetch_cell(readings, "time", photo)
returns 5 h 32 min
